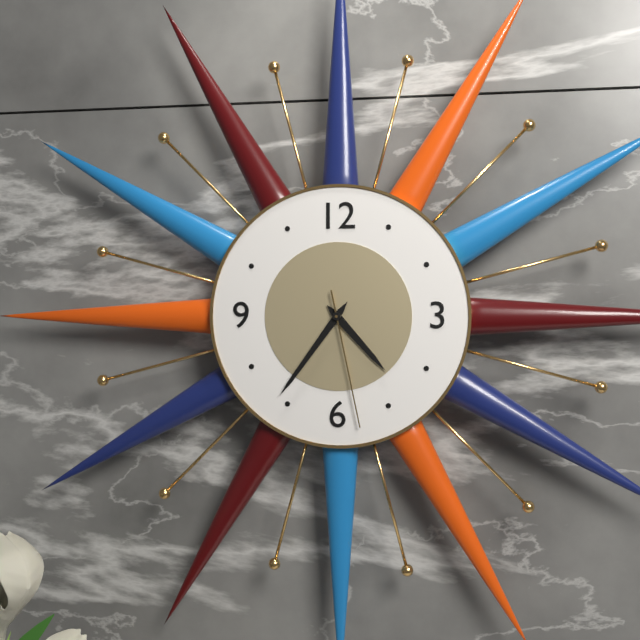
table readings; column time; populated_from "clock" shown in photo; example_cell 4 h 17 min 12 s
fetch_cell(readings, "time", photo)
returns 4 h 36 min 28 s
